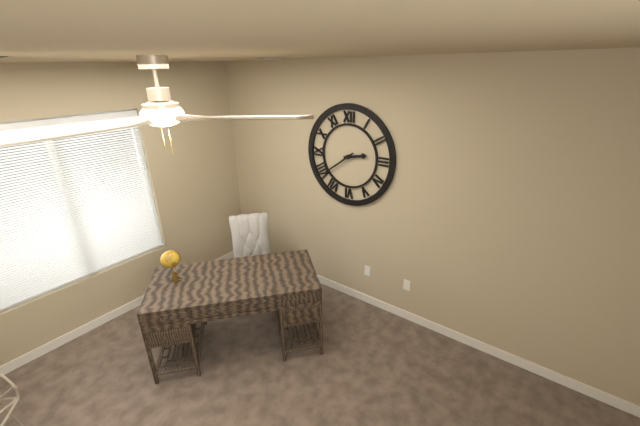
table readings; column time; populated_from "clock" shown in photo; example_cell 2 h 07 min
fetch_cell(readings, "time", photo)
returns 2 h 39 min
